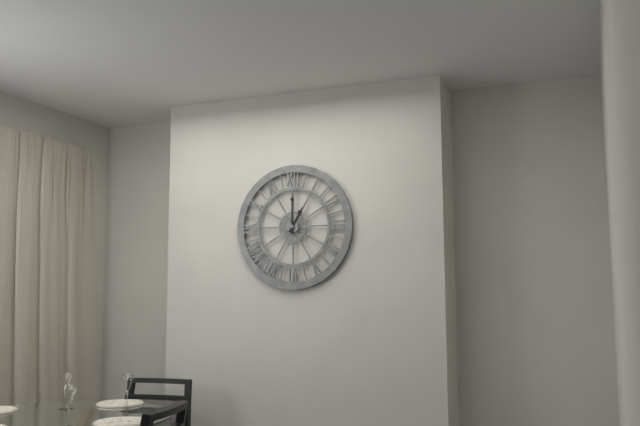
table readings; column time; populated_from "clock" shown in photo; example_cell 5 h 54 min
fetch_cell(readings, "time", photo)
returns 1 h 00 min
